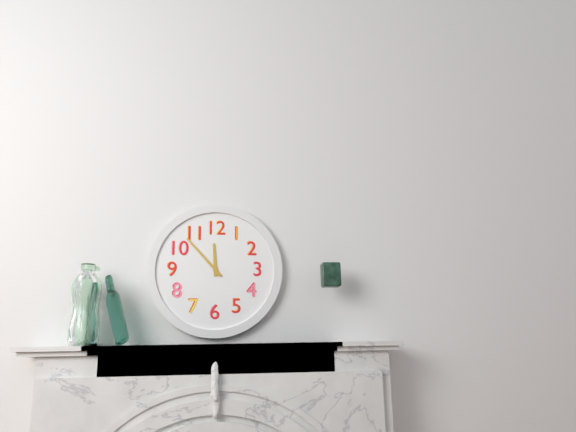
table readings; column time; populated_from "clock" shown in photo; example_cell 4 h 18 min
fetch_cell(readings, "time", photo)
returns 11 h 53 min
